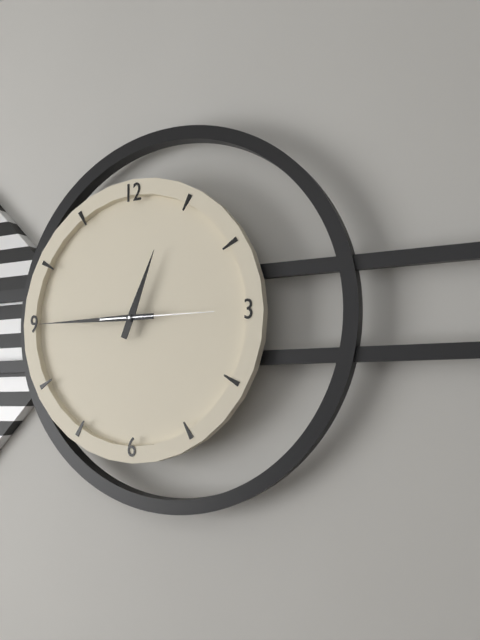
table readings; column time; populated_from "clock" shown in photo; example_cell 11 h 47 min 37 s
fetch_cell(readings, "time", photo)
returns 12 h 45 min 15 s
